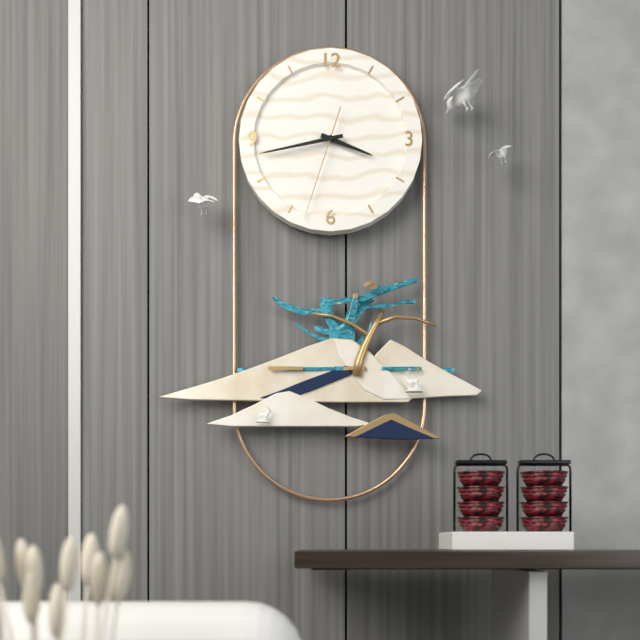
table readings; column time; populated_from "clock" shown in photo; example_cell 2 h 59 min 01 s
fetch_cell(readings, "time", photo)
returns 3 h 43 min 33 s
